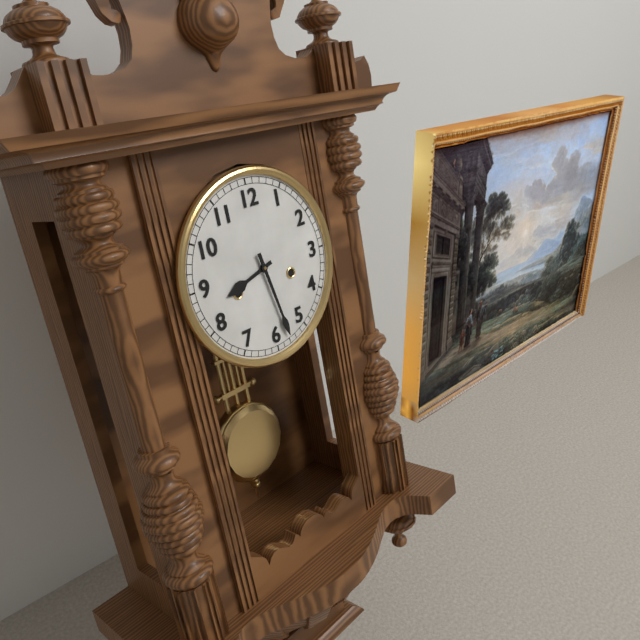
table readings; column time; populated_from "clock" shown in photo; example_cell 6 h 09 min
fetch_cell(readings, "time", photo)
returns 8 h 28 min
